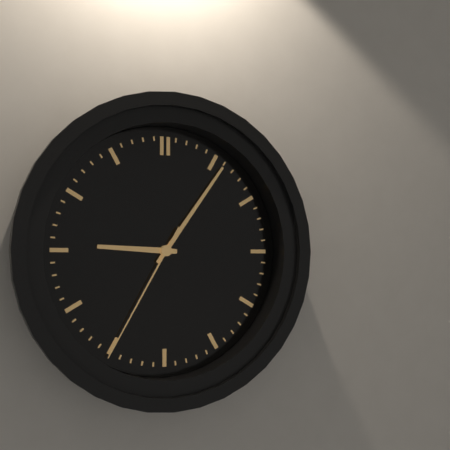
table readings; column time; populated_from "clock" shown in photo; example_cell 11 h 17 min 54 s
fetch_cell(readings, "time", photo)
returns 9 h 06 min 35 s
